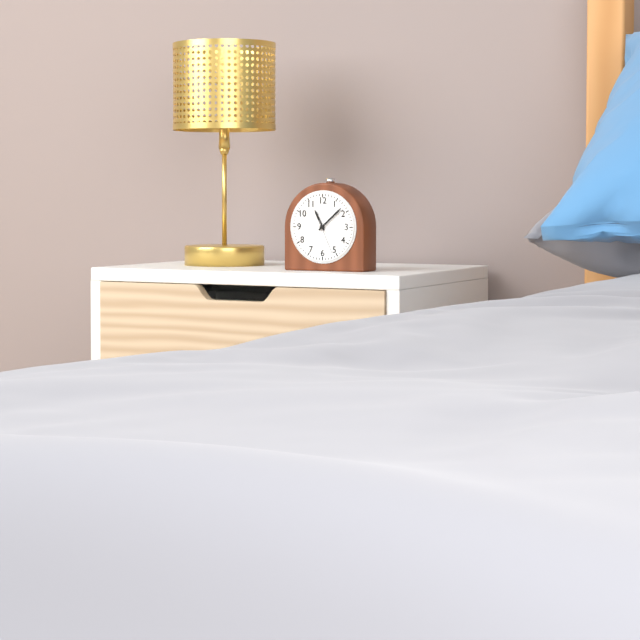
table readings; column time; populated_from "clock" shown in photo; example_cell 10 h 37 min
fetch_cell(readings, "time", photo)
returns 11 h 08 min
